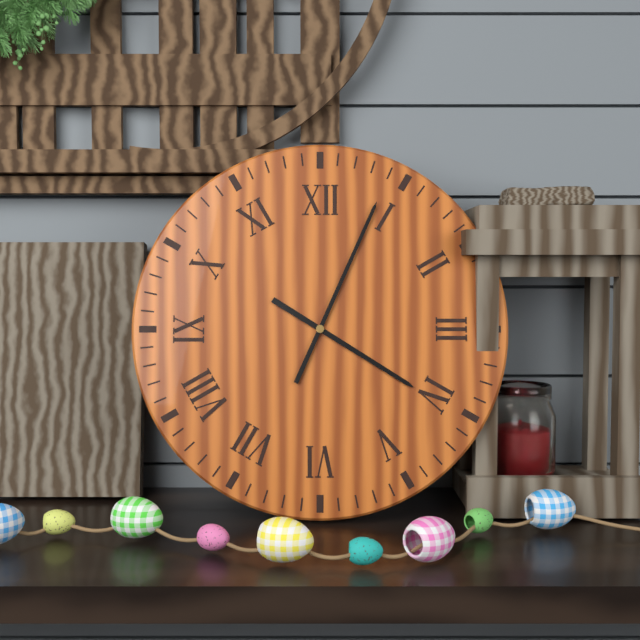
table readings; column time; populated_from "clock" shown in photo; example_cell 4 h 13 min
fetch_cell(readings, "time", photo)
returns 4 h 04 min
